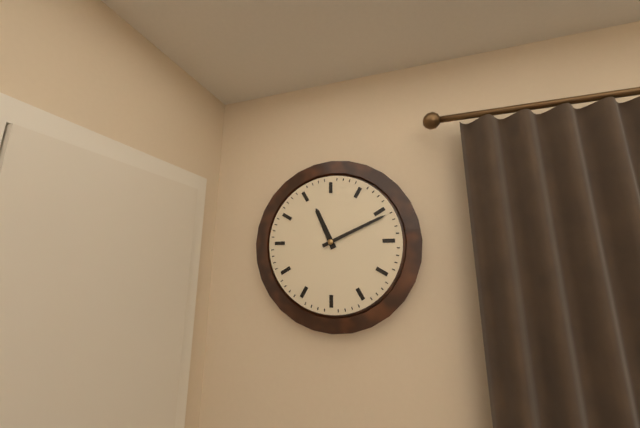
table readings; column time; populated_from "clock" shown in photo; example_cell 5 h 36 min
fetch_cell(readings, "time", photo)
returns 11 h 11 min
